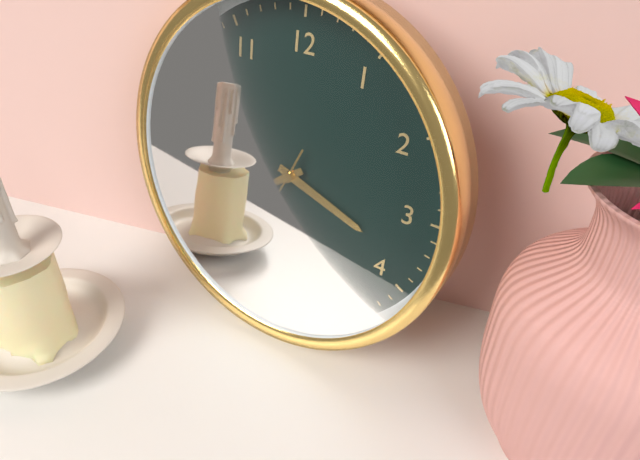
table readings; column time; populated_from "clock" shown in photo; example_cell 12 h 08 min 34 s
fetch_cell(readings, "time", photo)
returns 3 h 39 min 34 s
